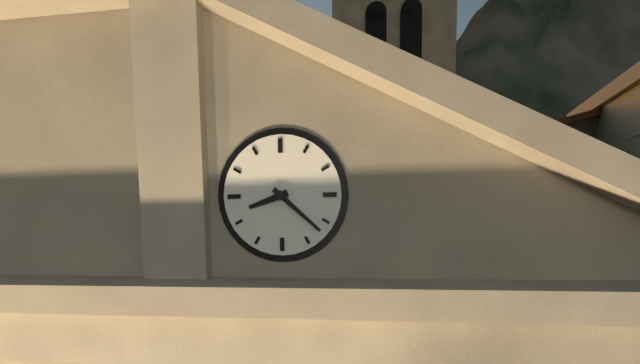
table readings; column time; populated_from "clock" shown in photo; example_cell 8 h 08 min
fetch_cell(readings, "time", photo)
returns 8 h 22 min
